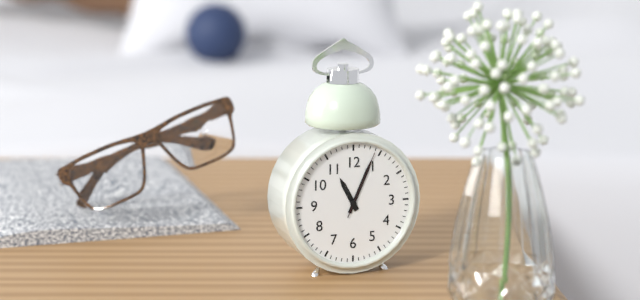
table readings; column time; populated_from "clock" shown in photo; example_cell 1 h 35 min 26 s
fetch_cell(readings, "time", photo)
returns 11 h 04 min 04 s
